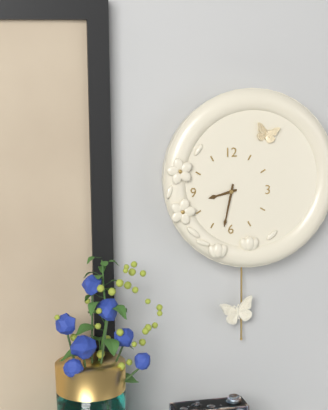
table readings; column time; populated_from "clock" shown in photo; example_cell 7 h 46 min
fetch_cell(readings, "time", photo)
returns 8 h 32 min
